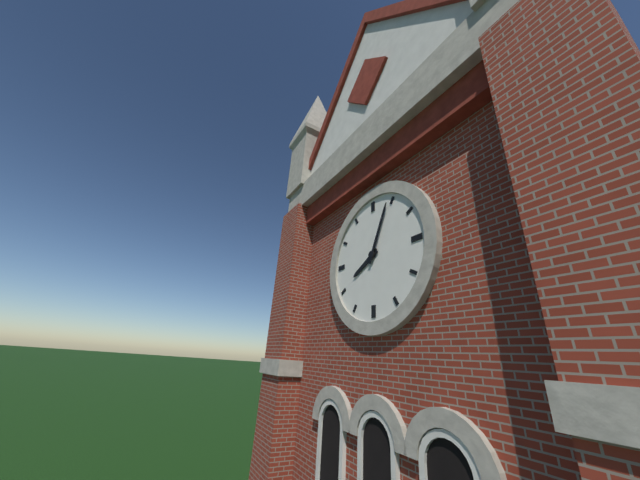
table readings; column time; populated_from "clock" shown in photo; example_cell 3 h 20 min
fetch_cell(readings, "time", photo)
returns 8 h 04 min
